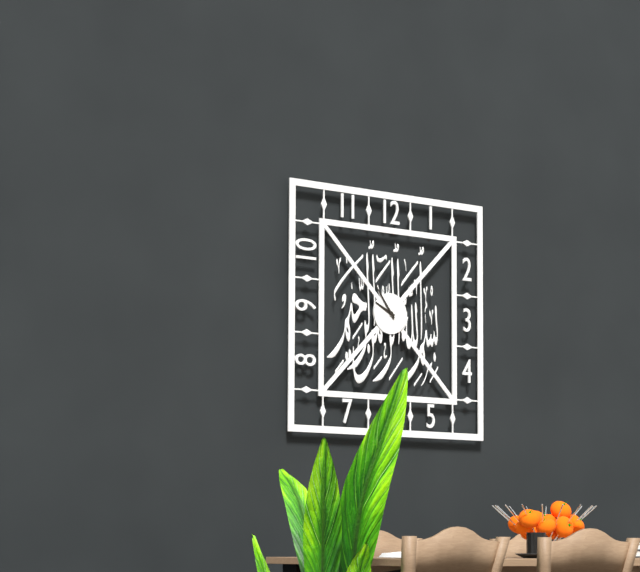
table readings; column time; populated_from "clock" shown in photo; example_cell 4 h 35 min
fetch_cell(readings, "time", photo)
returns 9 h 54 min
